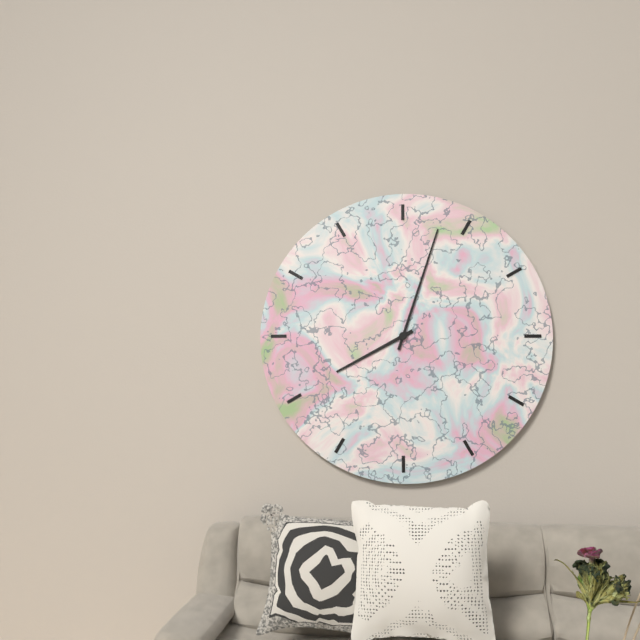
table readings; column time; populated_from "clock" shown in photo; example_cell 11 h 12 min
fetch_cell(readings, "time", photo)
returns 8 h 03 min
